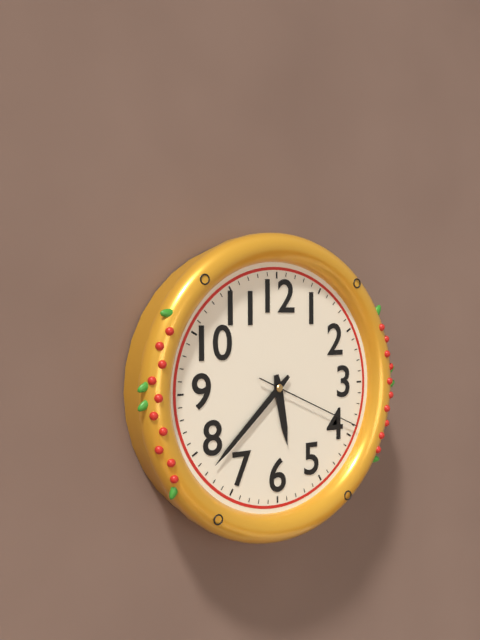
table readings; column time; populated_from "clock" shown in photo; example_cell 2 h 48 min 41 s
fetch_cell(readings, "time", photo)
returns 5 h 38 min 19 s
